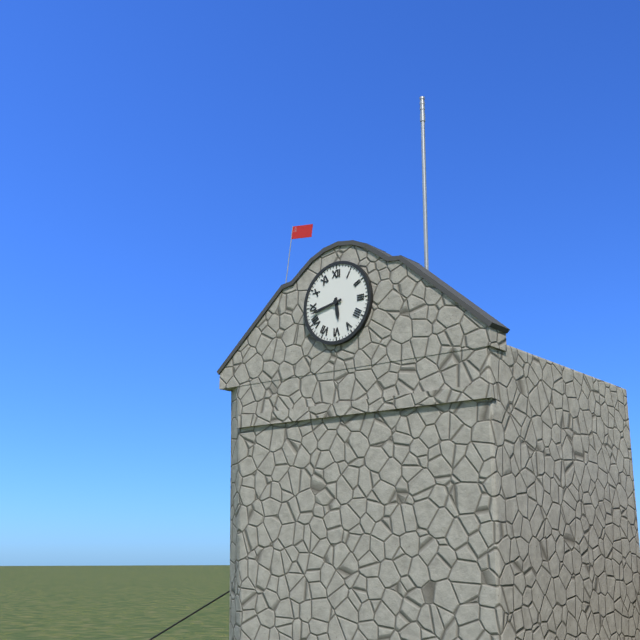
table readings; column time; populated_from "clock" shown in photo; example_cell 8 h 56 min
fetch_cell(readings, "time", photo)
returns 5 h 43 min
